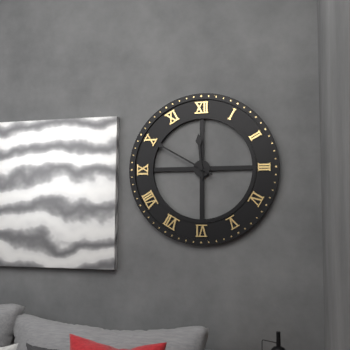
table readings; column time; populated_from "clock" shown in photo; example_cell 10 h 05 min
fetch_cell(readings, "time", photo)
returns 11 h 50 min
